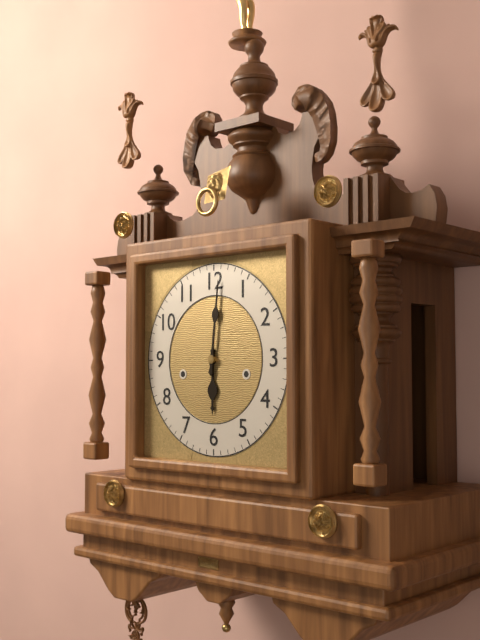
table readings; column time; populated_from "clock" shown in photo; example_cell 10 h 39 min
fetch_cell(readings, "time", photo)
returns 6 h 01 min
